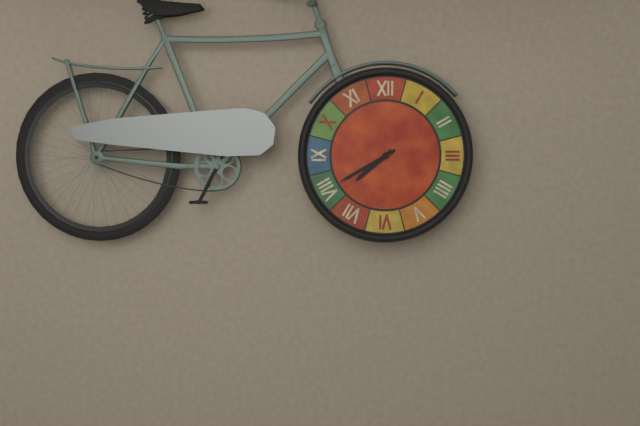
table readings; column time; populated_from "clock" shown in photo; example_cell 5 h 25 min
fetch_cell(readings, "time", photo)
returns 7 h 40 min
